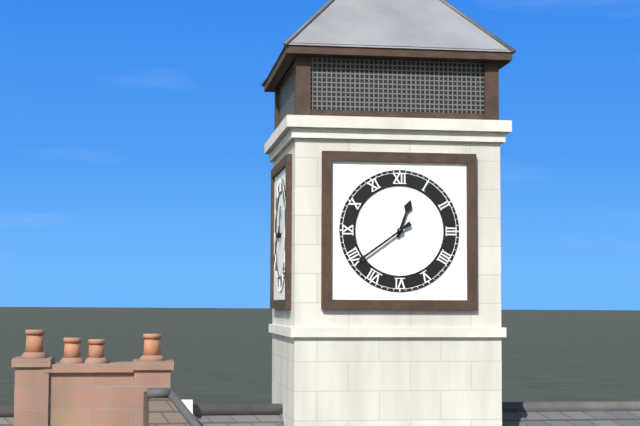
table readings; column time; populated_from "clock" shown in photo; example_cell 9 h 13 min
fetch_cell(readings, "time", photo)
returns 12 h 39 min
